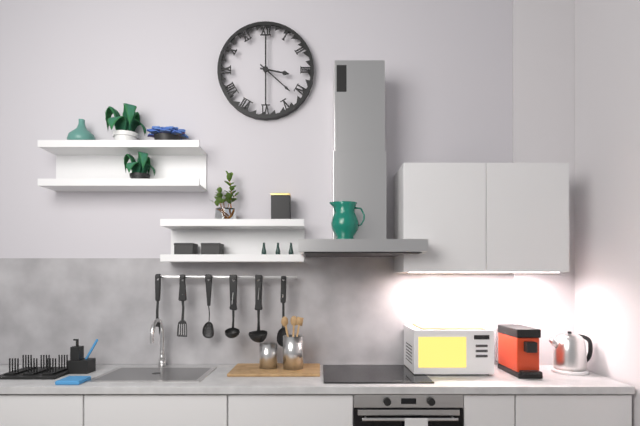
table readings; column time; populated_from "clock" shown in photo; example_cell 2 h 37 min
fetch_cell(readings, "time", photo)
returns 3 h 22 min
